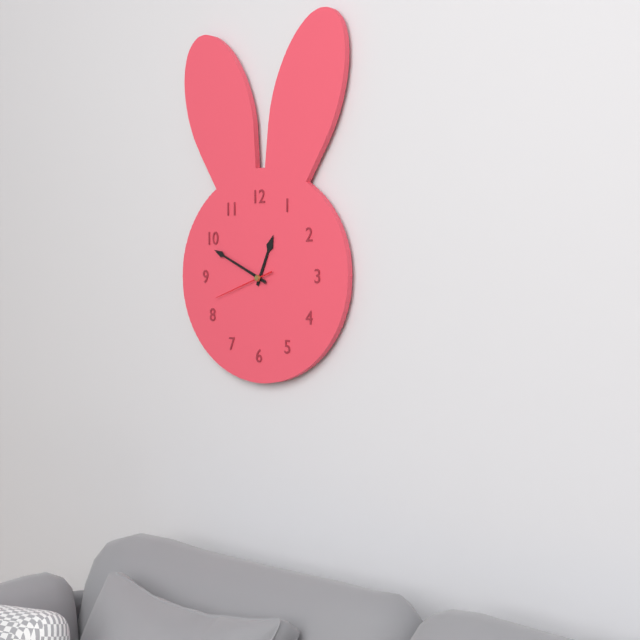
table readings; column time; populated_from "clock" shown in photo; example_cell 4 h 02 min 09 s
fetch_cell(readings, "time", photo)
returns 12 h 49 min 42 s
